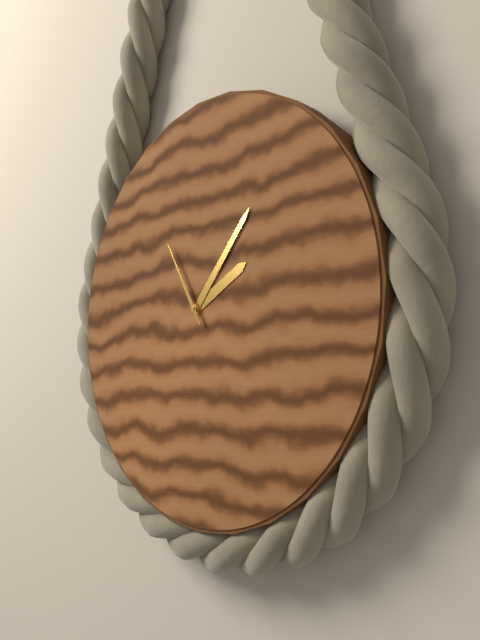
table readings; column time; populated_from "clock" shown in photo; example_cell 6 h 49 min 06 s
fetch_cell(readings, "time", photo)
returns 2 h 07 min 55 s
